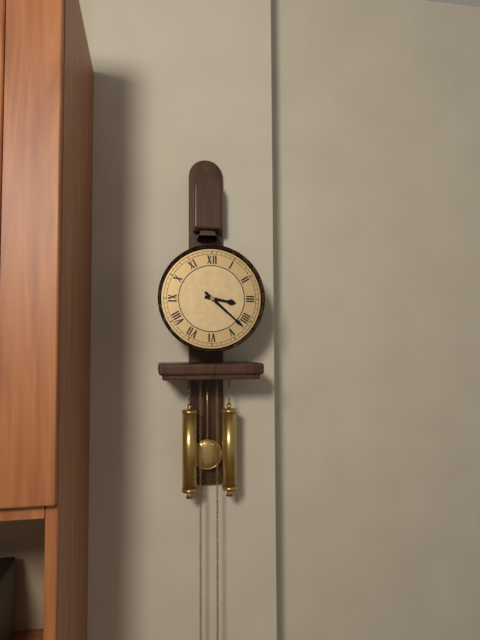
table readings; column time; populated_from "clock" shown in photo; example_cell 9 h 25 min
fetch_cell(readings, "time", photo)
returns 3 h 22 min
